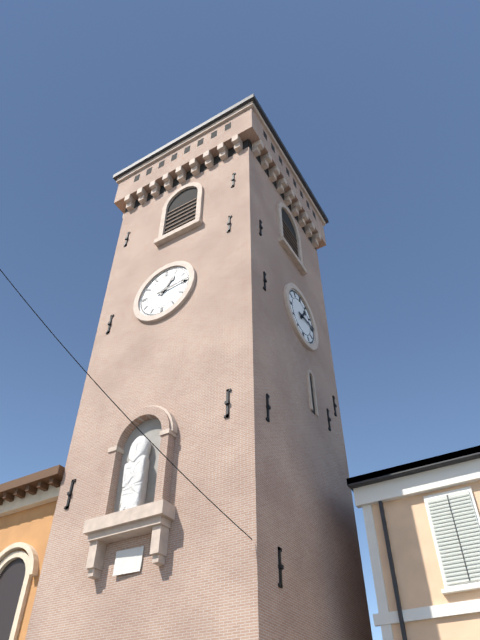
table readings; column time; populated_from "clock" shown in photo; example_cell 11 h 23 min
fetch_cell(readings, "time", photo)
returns 1 h 14 min
